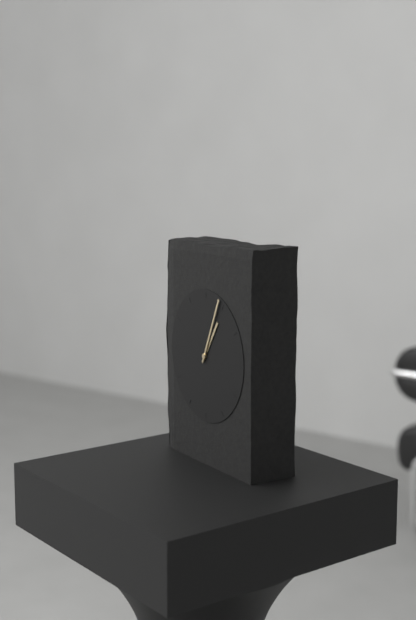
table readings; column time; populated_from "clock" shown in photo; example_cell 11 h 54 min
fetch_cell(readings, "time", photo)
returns 1 h 04 min
